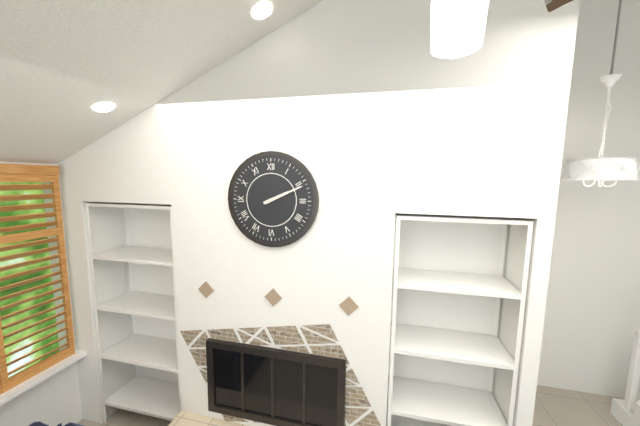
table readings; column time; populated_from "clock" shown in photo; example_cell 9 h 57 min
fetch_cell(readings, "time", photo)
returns 2 h 11 min
